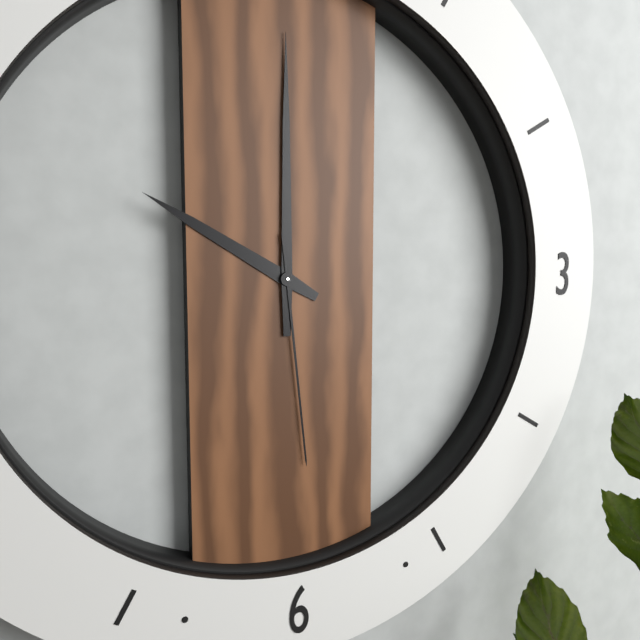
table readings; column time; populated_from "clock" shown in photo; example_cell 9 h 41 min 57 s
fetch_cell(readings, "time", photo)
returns 10 h 00 min 29 s
